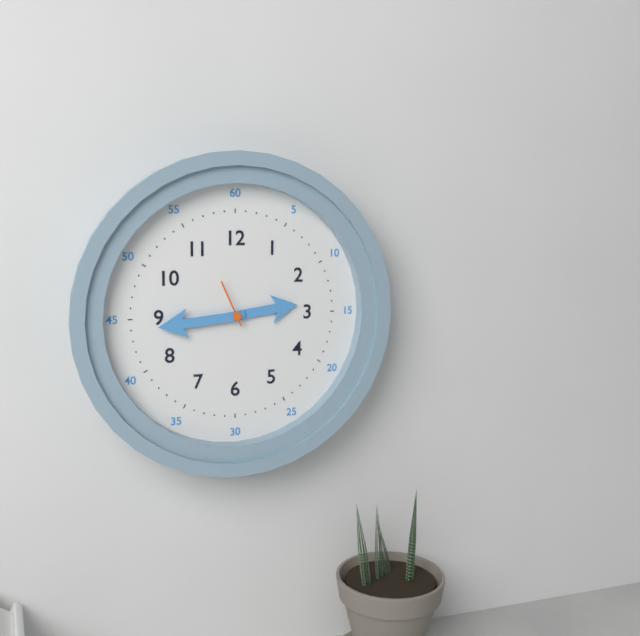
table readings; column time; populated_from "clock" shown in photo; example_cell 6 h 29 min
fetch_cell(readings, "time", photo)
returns 2 h 44 min
